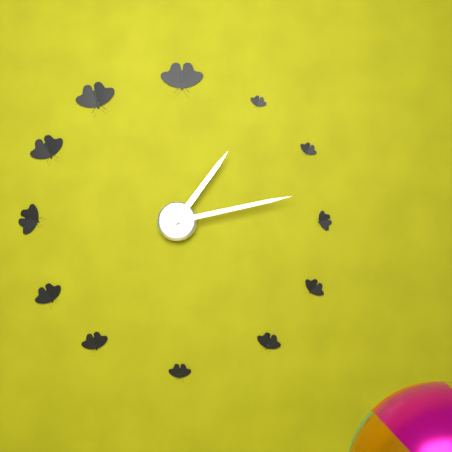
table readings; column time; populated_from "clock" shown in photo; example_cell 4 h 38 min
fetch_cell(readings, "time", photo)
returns 1 h 13 min
